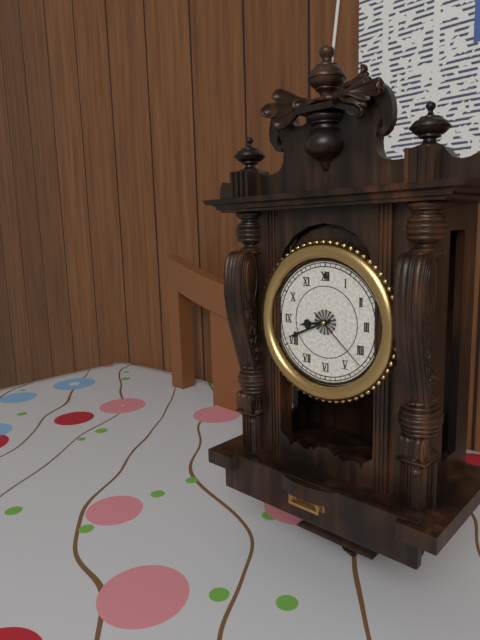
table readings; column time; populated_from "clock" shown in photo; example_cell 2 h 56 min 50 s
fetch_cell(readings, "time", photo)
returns 8 h 41 min 22 s
